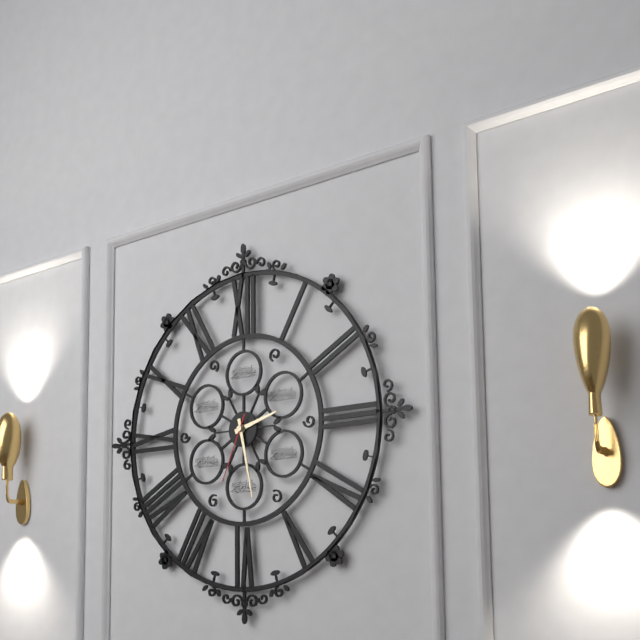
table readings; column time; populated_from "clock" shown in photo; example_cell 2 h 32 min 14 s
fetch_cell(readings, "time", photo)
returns 2 h 28 min 34 s
